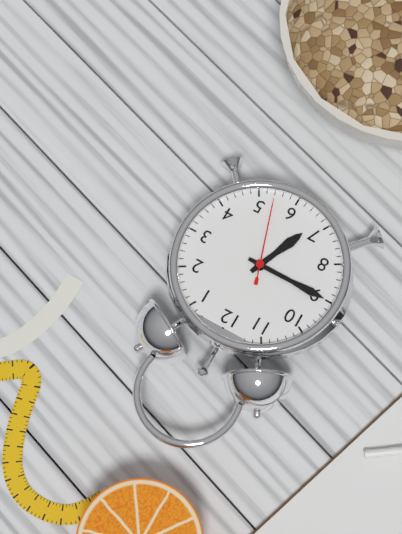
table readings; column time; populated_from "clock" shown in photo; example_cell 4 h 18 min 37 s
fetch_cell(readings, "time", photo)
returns 6 h 45 min 27 s
